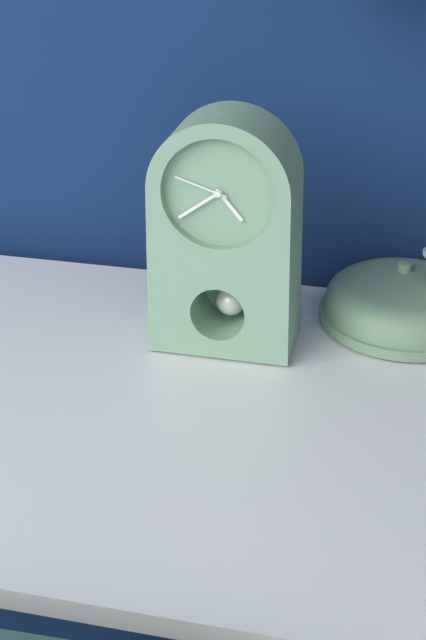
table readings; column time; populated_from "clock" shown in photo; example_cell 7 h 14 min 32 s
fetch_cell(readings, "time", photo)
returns 4 h 39 min 48 s
